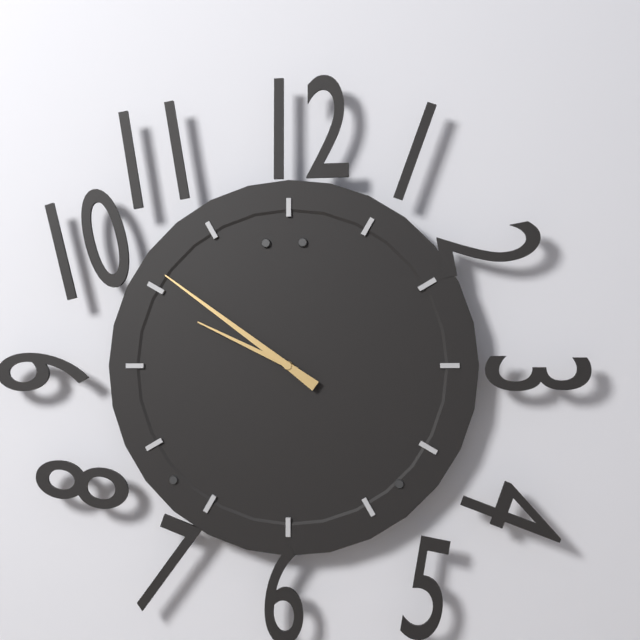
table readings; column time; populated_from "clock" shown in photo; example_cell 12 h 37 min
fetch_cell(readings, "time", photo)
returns 9 h 51 min
